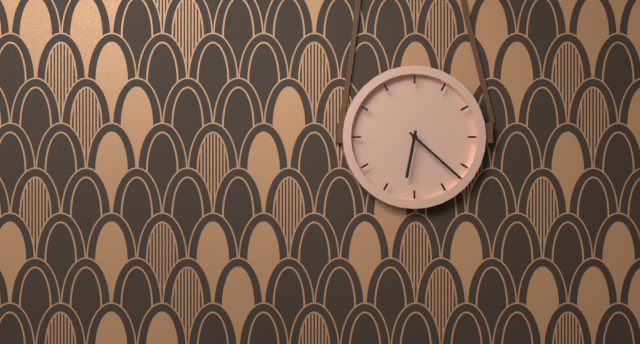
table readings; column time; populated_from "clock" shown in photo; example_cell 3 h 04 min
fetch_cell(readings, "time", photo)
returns 6 h 22 min
